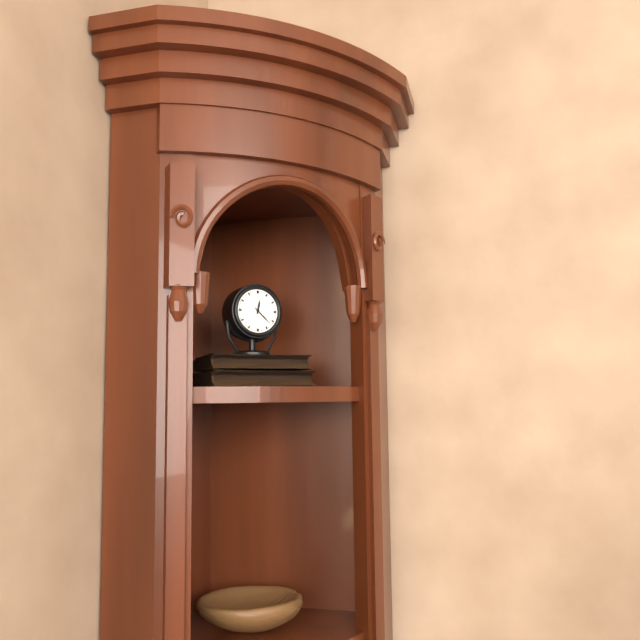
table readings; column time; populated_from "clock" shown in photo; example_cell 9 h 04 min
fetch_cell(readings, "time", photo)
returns 12 h 22 min
